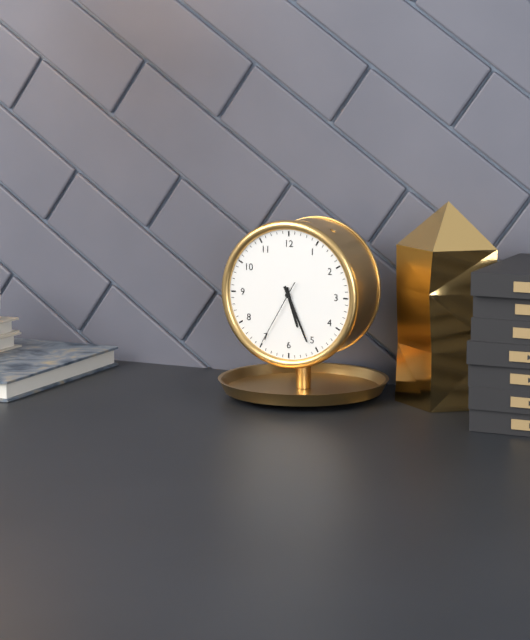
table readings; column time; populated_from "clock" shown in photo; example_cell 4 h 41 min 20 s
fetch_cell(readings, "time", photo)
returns 5 h 26 min 35 s
